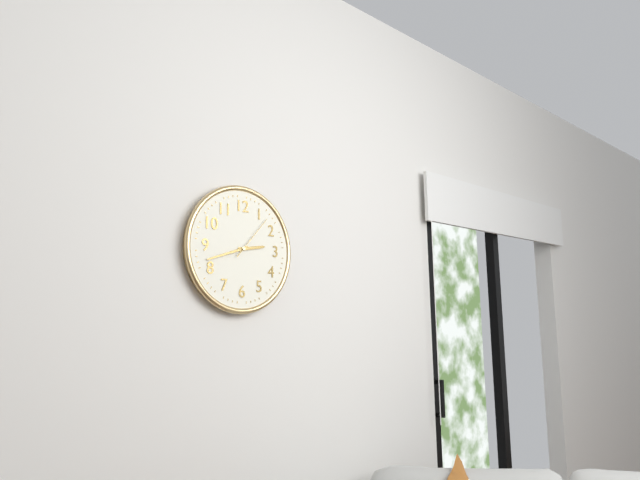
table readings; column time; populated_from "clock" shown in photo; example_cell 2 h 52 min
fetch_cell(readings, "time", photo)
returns 2 h 42 min
